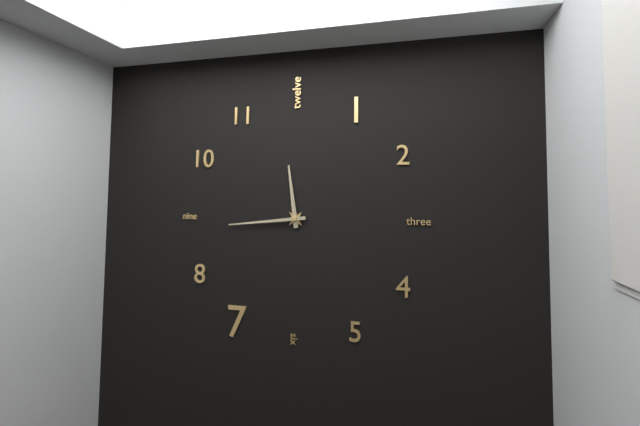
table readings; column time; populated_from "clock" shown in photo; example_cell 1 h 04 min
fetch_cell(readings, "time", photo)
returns 11 h 44 min
